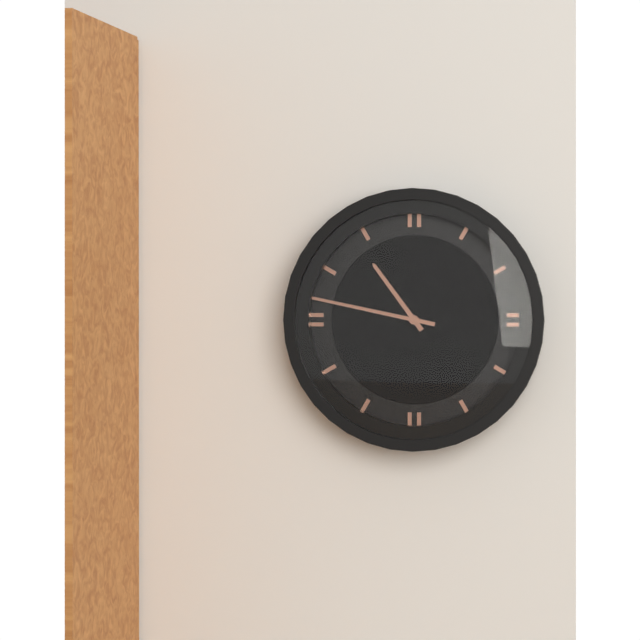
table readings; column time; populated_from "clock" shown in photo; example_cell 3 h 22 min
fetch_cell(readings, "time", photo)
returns 10 h 47 min
